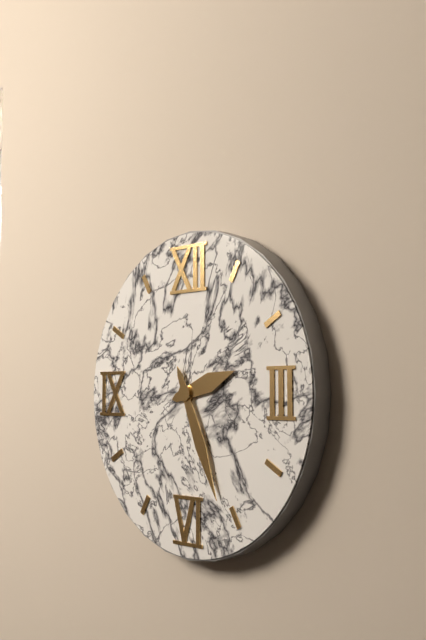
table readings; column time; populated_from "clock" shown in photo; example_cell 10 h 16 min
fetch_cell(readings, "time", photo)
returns 2 h 26 min
